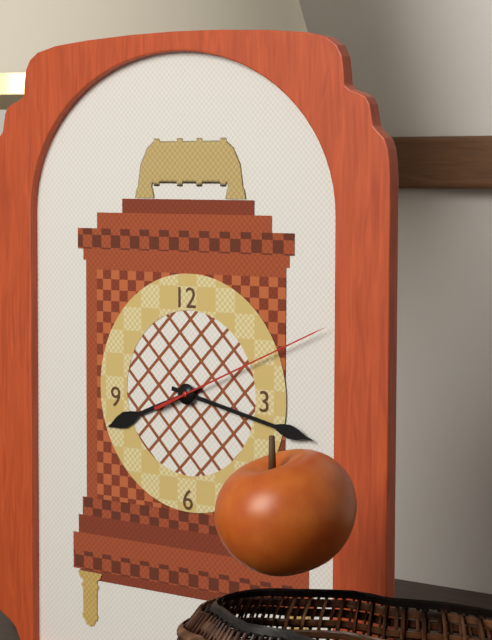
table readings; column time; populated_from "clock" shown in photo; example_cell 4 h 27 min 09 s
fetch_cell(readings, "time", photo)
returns 8 h 17 min 11 s
